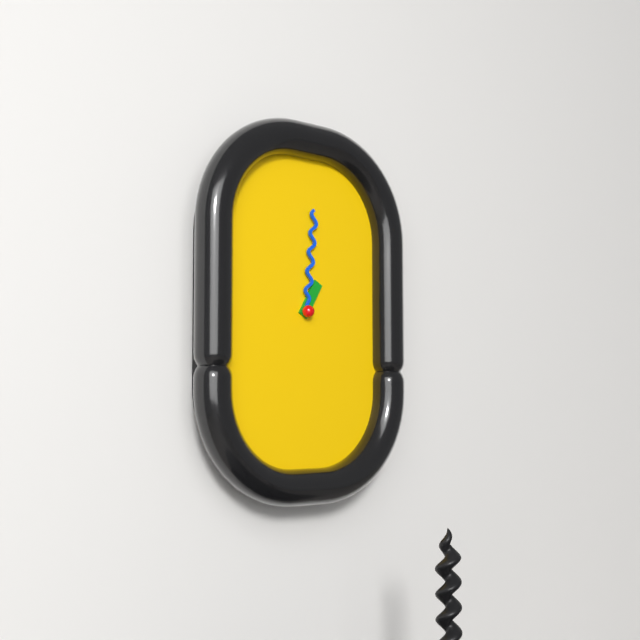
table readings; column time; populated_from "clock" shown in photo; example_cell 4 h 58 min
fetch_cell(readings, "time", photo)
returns 1 h 01 min
